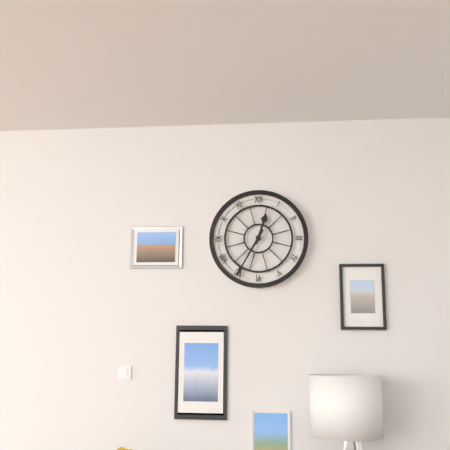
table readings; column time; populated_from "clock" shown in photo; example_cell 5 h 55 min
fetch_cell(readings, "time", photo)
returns 12 h 35 min
